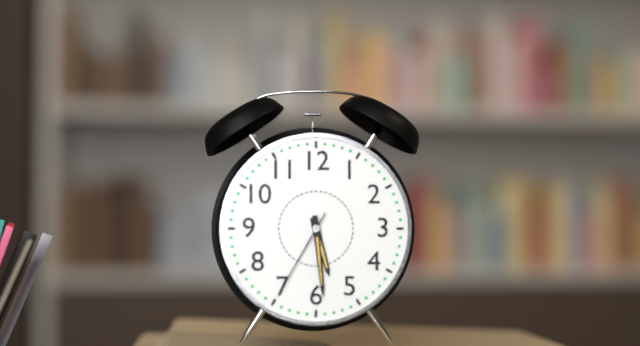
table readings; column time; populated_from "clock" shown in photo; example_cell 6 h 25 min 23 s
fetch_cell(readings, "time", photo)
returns 5 h 29 min 35 s
